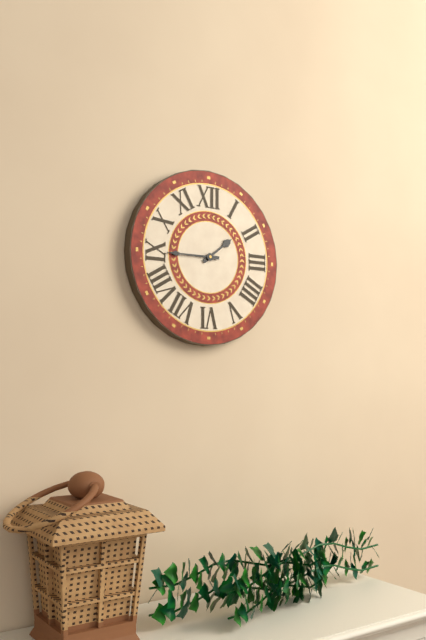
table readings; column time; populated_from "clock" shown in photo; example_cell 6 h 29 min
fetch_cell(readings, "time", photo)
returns 1 h 45 min
